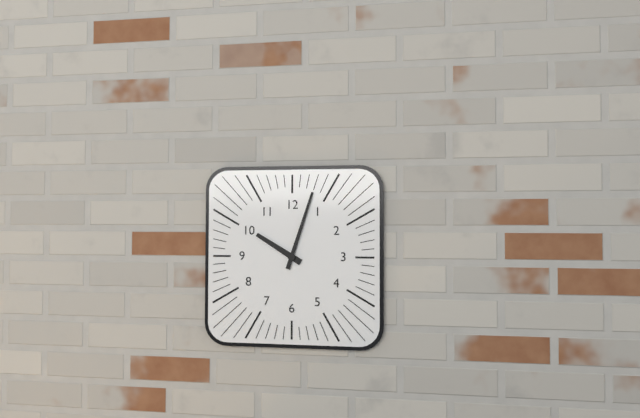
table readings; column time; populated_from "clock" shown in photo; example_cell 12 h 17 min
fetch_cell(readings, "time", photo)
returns 10 h 03 min
